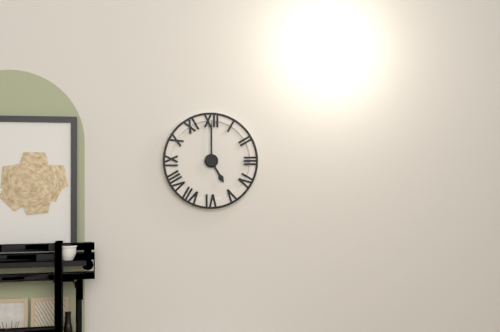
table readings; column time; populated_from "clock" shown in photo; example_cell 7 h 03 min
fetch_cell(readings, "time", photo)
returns 5 h 00 min
